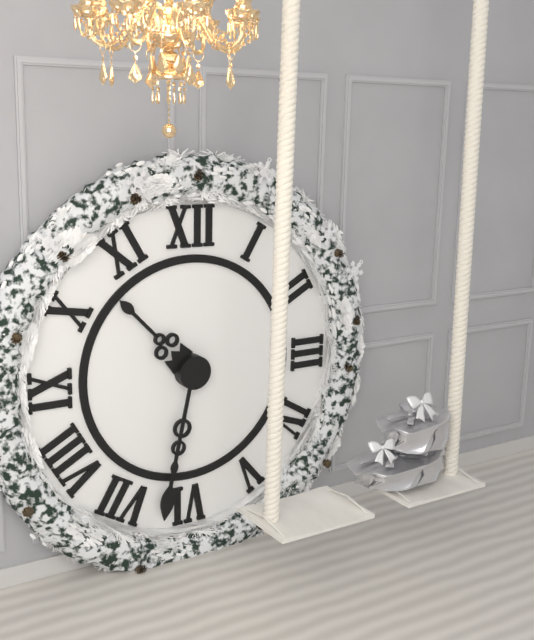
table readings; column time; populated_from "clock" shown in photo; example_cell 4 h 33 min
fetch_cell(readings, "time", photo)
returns 10 h 32 min
